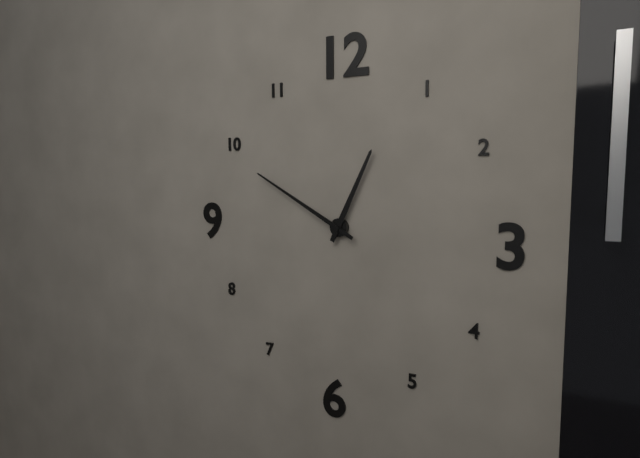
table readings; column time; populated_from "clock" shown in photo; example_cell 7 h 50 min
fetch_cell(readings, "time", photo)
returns 12 h 50 min
